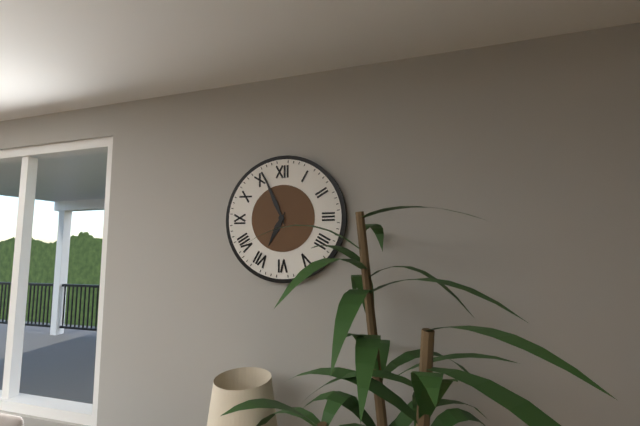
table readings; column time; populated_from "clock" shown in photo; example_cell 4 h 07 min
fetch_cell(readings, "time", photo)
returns 6 h 56 min
